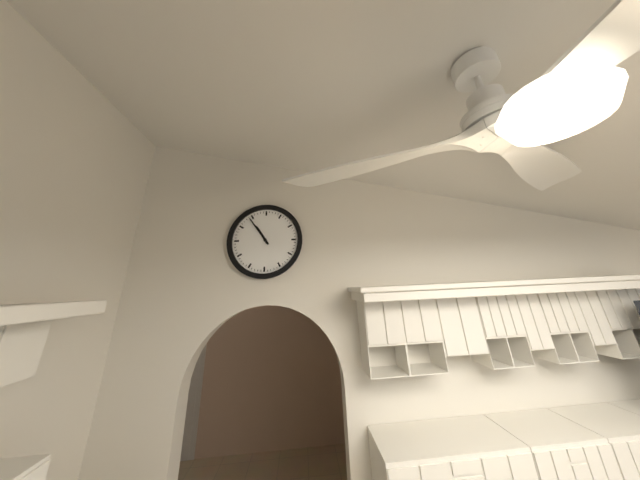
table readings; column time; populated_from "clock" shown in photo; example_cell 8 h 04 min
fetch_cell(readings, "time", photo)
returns 10 h 54 min
